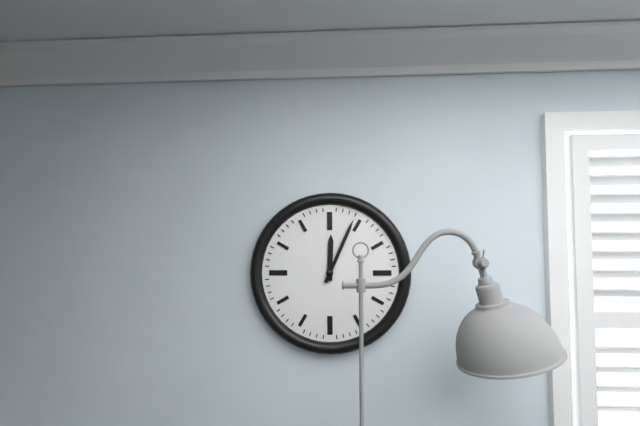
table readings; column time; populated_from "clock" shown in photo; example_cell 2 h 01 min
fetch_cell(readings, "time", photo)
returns 12 h 04 min
